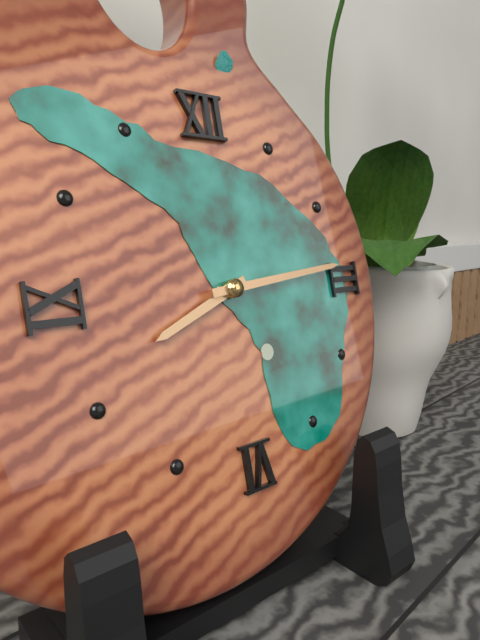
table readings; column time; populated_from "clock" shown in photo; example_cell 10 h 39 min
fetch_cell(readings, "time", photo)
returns 8 h 14 min
